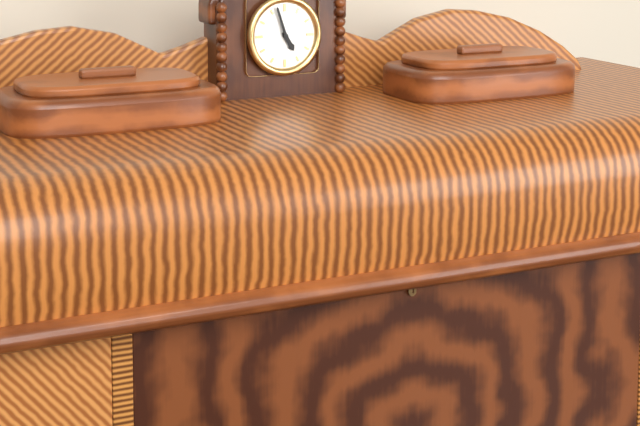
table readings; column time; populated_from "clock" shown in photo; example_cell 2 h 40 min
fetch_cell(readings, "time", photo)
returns 4 h 57 min
